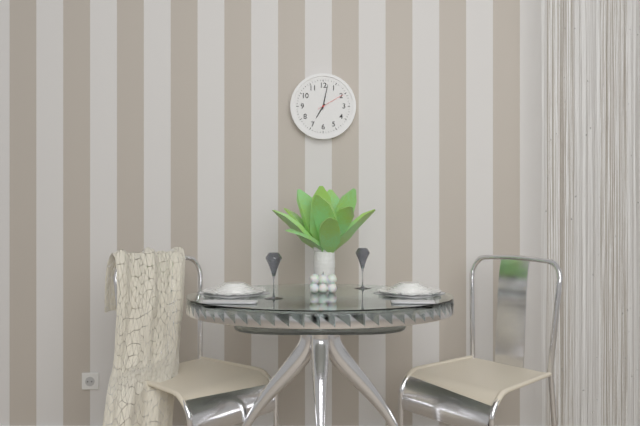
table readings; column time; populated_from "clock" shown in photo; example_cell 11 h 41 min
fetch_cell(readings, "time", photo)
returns 7 h 02 min
